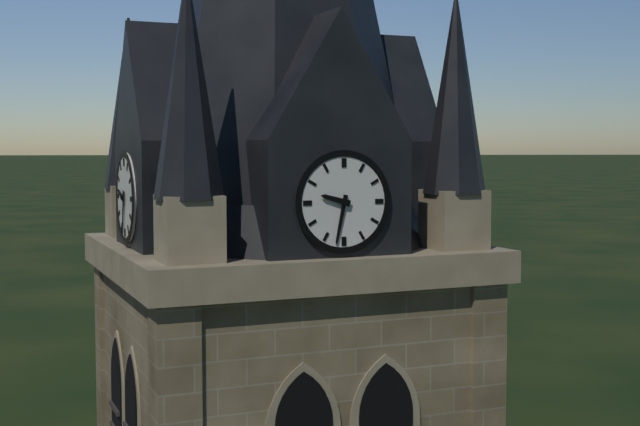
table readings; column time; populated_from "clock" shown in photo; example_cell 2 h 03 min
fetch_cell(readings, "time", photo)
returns 9 h 32 min
